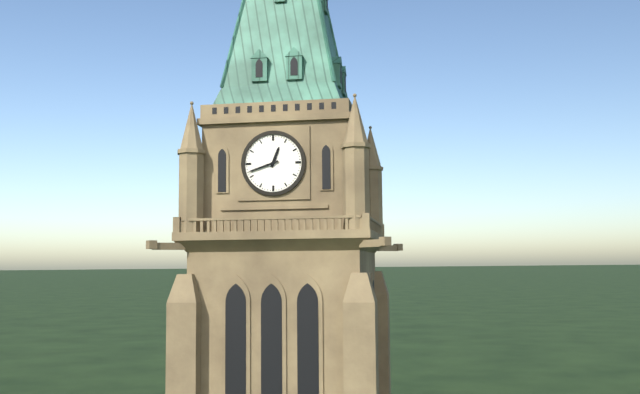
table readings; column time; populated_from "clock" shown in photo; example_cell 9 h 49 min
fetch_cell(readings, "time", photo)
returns 12 h 42 min
